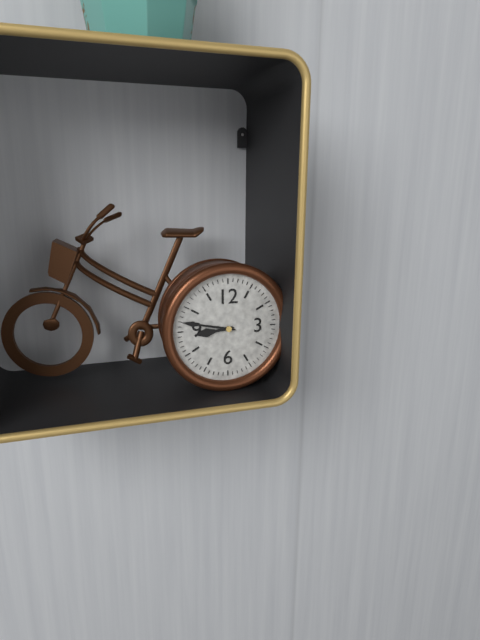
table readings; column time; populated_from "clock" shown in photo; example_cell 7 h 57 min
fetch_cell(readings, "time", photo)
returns 8 h 47 min
